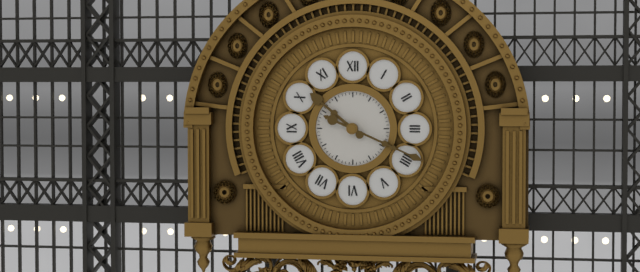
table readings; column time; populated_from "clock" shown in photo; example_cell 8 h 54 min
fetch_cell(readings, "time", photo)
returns 10 h 19 min
